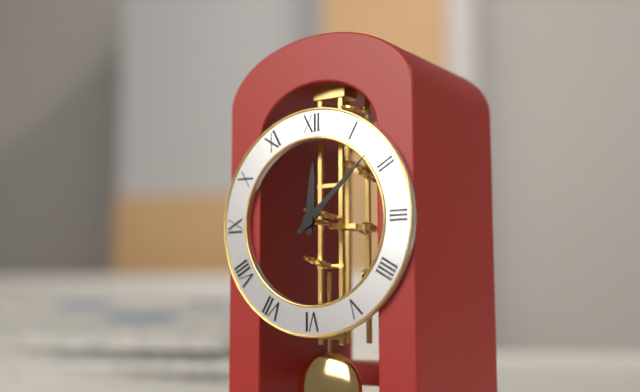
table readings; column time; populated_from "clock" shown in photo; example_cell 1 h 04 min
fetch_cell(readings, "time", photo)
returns 12 h 08 min
